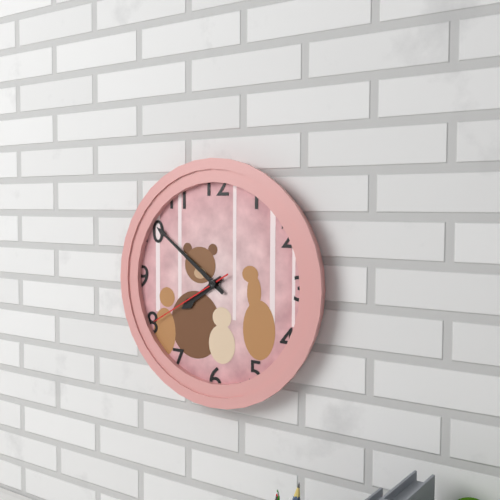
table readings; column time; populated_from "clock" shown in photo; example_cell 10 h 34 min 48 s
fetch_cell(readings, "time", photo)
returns 7 h 51 min 40 s
